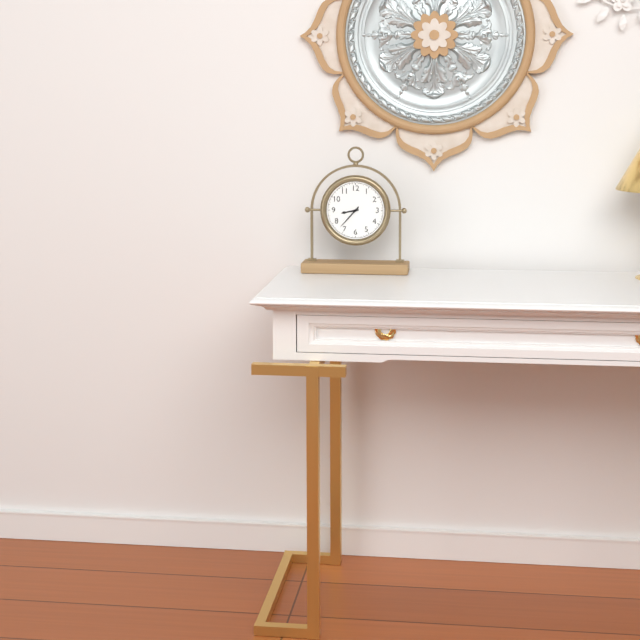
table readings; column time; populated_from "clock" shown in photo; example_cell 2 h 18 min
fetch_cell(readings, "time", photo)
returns 8 h 37 min
